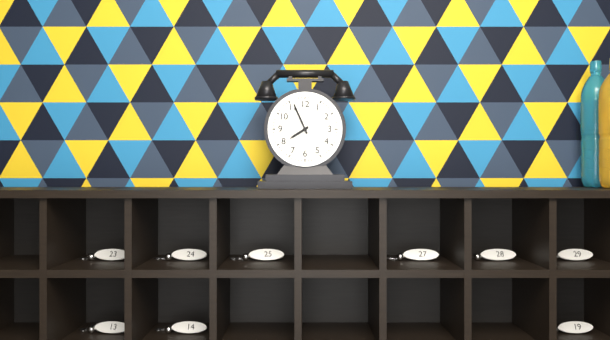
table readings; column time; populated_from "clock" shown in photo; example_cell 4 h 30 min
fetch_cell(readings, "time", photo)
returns 7 h 56 min
